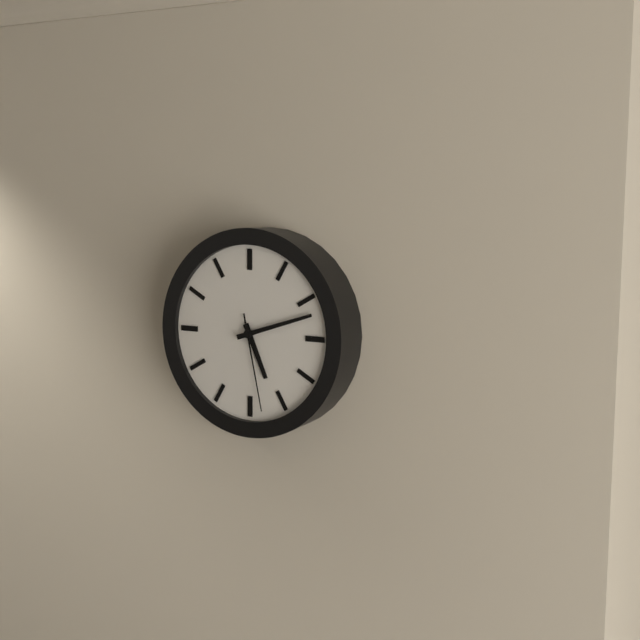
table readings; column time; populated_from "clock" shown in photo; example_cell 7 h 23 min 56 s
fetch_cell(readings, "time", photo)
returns 5 h 12 min 28 s
